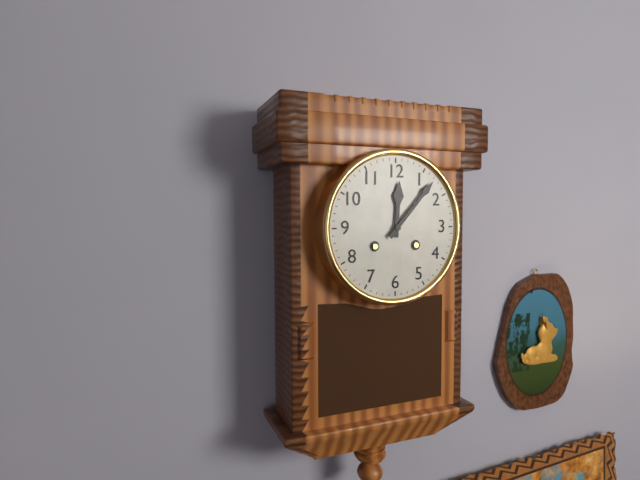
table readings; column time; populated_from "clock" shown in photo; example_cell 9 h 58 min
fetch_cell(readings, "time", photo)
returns 12 h 07 min
